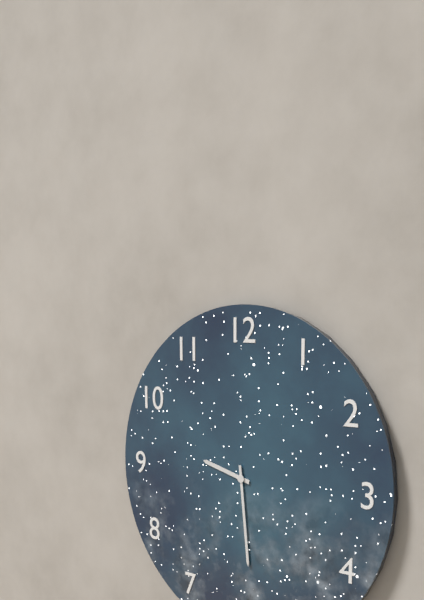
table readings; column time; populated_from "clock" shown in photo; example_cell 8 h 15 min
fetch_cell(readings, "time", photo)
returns 9 h 29 min
